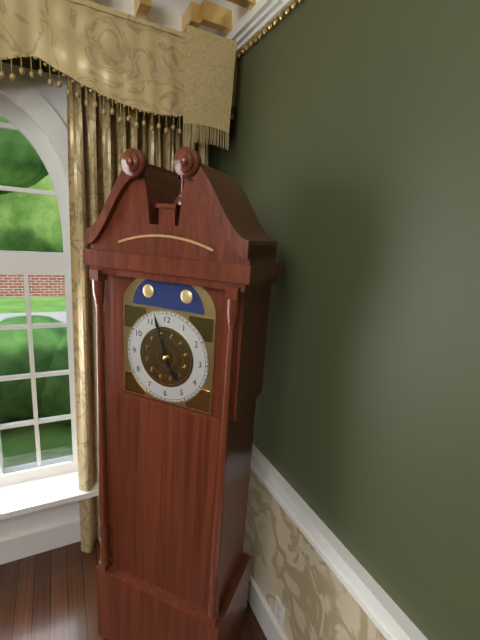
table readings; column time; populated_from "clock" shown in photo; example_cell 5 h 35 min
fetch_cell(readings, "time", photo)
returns 4 h 57 min
